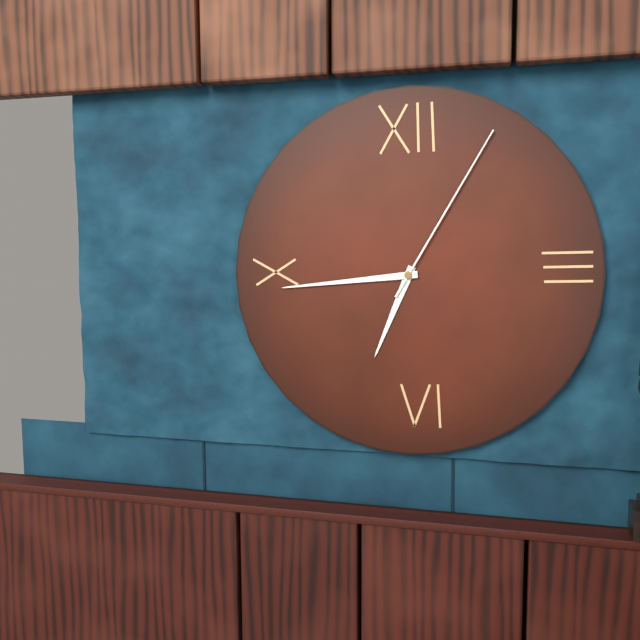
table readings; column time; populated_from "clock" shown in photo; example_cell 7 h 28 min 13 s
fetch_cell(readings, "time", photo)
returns 6 h 44 min 05 s
